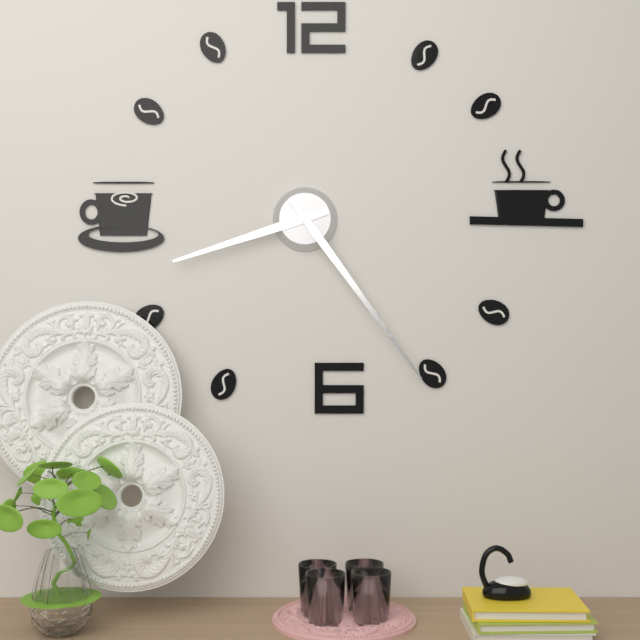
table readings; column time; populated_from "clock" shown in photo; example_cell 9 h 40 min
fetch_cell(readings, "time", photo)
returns 8 h 24 min
